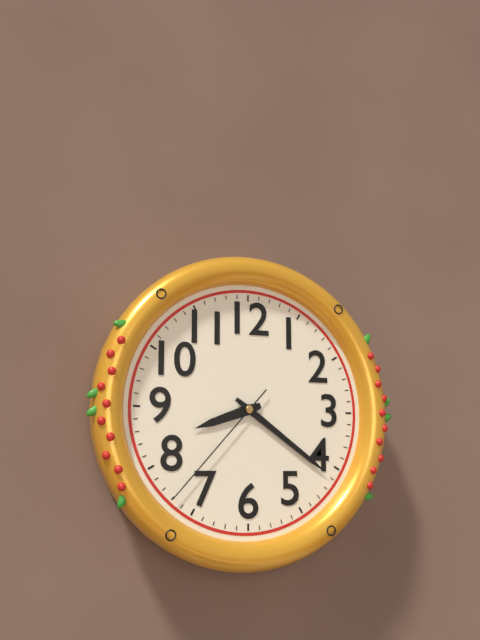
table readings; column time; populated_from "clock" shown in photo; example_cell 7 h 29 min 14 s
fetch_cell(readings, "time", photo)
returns 8 h 21 min 37 s
